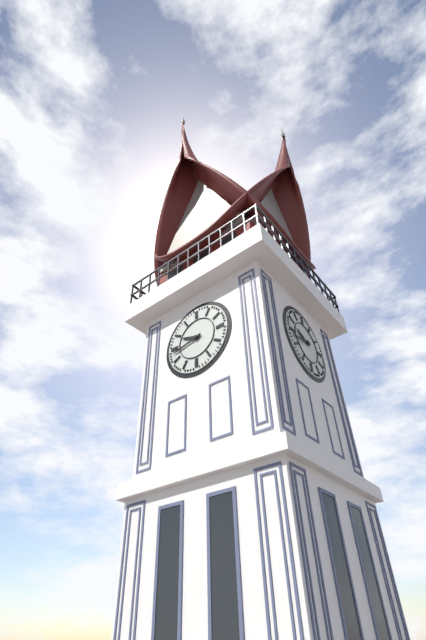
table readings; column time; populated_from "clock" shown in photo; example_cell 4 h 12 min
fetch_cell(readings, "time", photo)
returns 9 h 43 min
